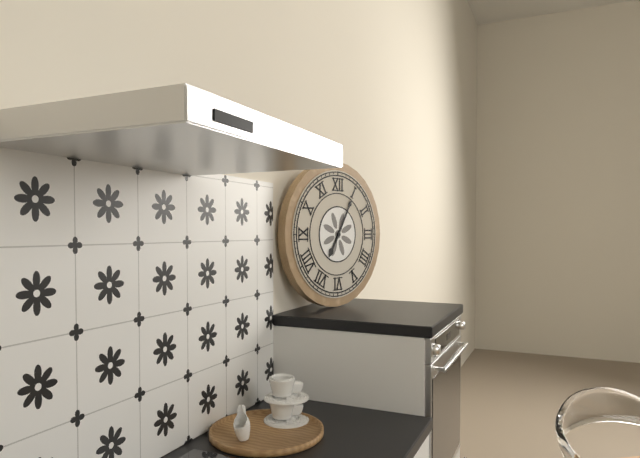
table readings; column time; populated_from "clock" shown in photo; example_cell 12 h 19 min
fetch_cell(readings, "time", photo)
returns 7 h 05 min
